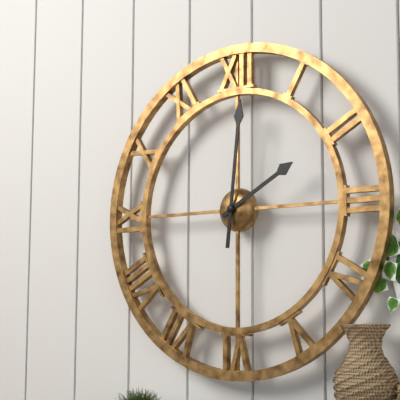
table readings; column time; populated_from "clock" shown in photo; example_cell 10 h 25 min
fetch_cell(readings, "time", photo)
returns 2 h 01 min
